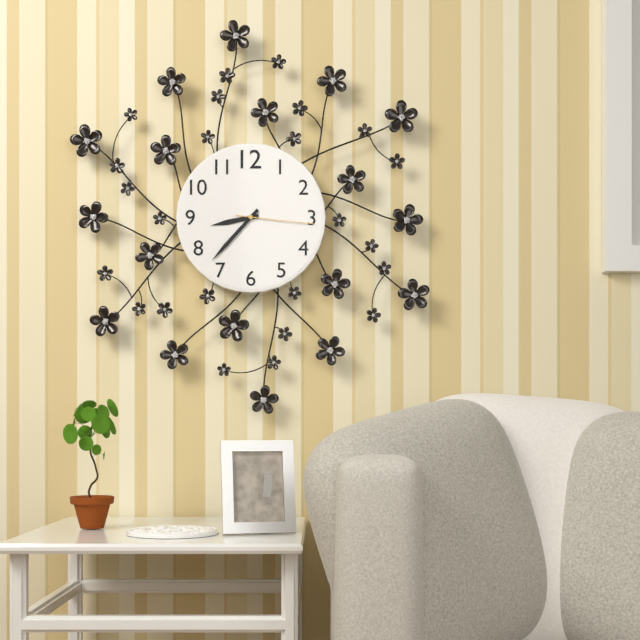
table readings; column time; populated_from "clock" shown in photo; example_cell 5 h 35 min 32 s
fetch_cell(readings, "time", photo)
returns 8 h 37 min 16 s
